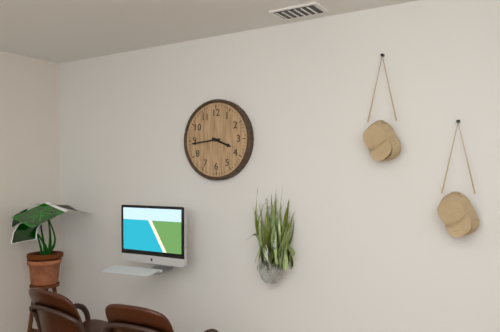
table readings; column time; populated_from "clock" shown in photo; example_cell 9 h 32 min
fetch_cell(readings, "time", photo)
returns 3 h 44 min
